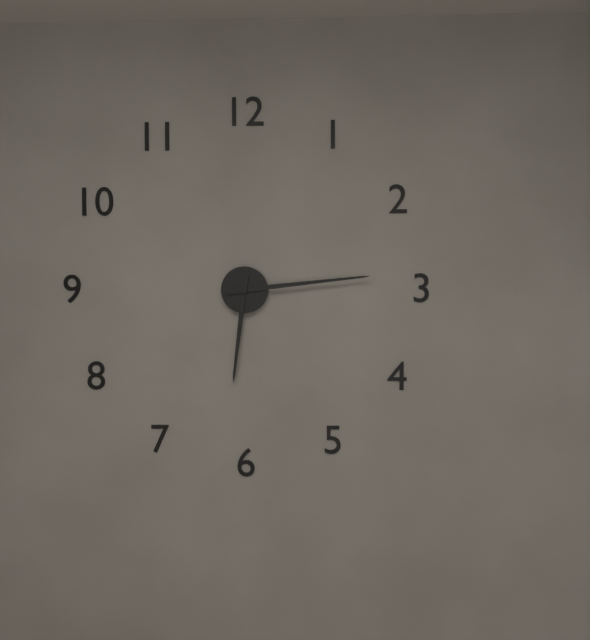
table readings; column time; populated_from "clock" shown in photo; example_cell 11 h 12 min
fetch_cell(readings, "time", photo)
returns 6 h 14 min
